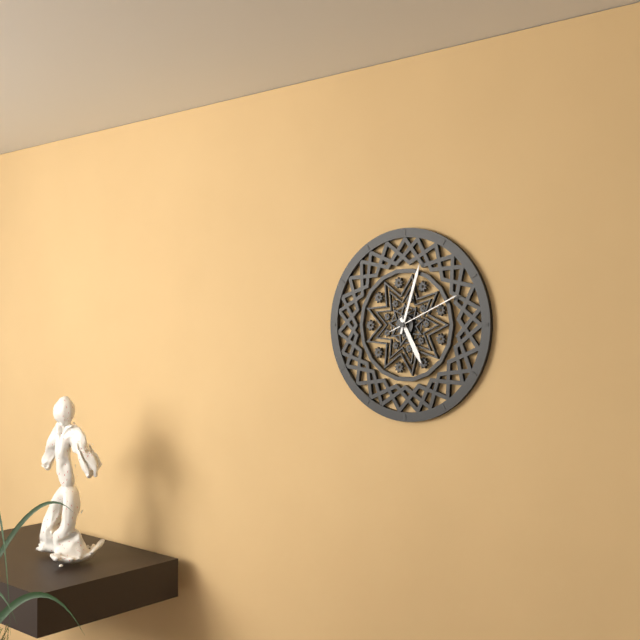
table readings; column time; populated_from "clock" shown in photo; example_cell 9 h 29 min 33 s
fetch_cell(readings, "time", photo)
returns 5 h 03 min 11 s
